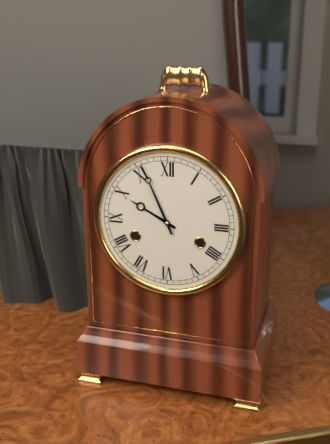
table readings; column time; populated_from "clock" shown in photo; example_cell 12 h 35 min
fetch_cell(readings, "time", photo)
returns 9 h 56 min
